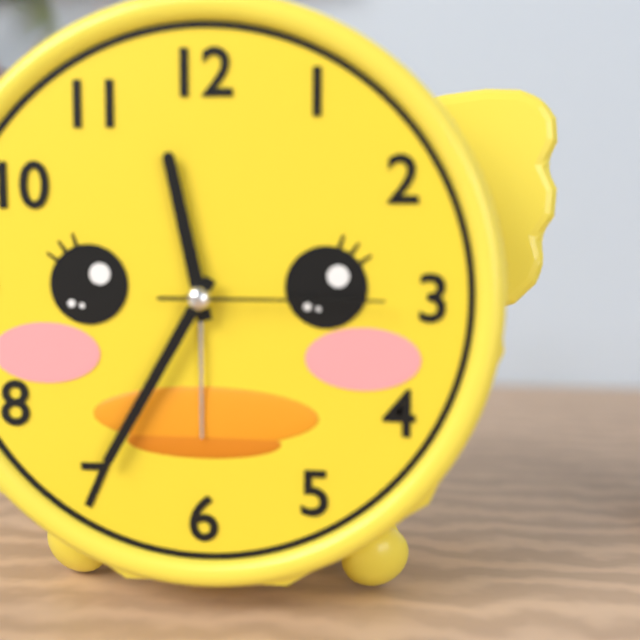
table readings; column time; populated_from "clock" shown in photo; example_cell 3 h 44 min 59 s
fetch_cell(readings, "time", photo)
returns 11 h 35 min 15 s
